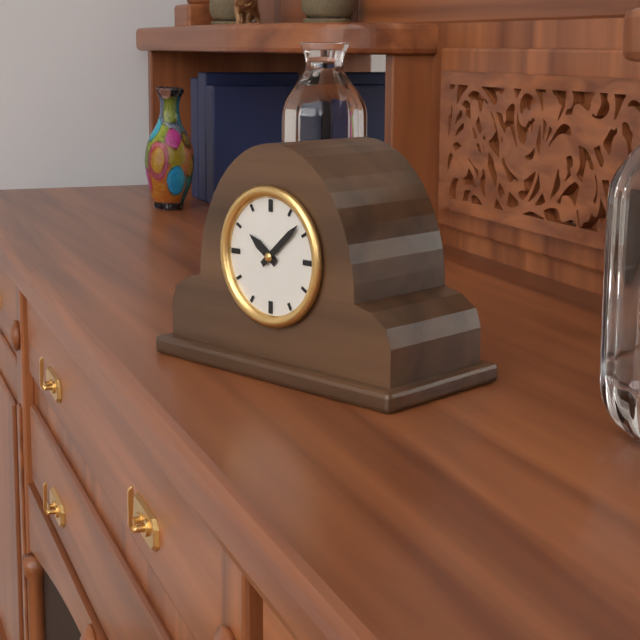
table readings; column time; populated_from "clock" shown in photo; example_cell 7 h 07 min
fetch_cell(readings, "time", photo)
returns 10 h 08 min
